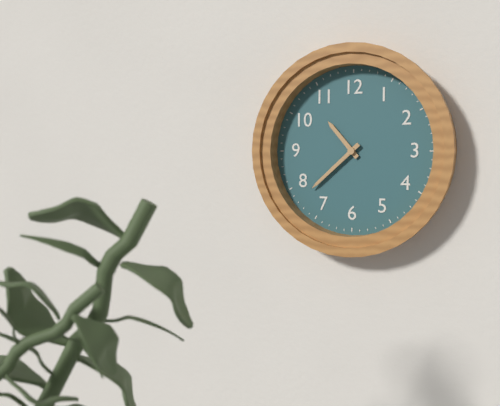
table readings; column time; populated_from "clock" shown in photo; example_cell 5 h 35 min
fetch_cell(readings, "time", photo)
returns 10 h 38 min
